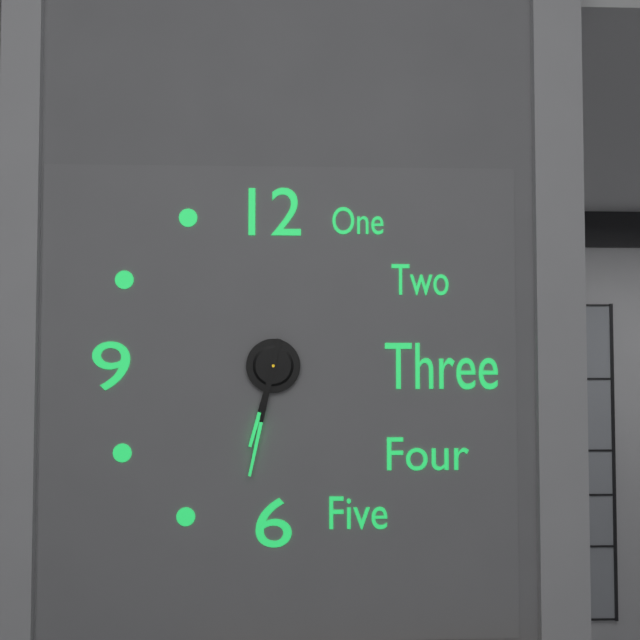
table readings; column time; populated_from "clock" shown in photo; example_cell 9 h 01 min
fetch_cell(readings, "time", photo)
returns 6 h 32 min
